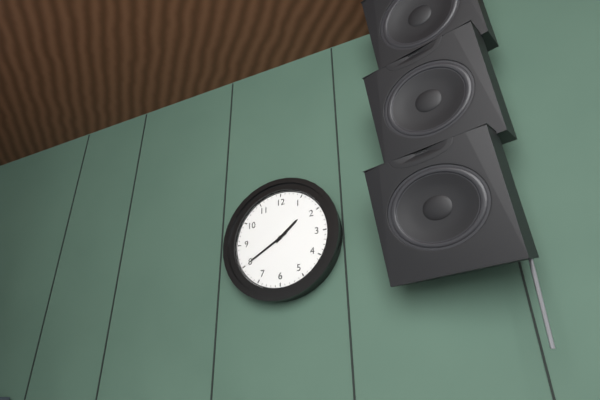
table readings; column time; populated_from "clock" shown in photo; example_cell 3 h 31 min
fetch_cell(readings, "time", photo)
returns 1 h 40 min
